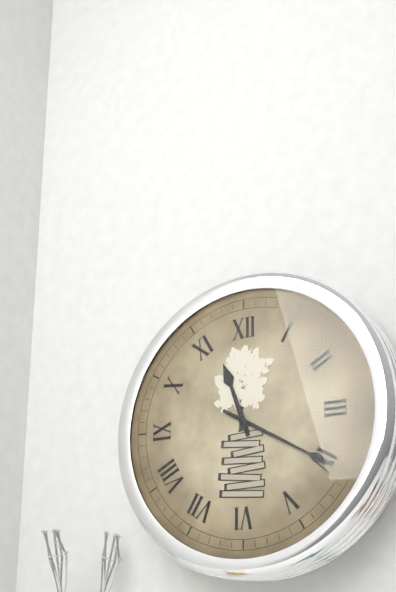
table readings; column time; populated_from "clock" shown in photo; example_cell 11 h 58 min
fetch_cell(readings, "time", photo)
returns 11 h 20 min
